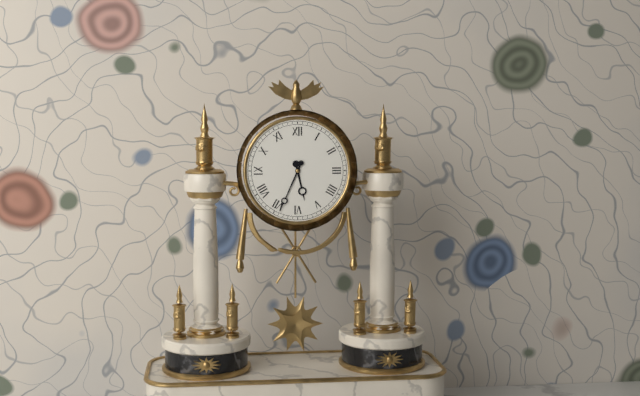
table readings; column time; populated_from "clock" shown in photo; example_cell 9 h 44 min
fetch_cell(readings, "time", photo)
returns 5 h 34 min
